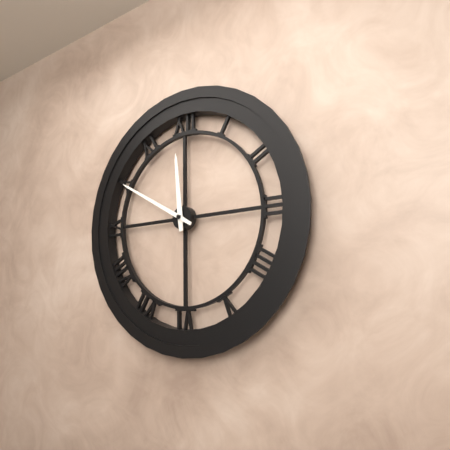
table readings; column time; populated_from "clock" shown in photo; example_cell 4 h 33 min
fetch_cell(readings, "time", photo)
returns 11 h 50 min
